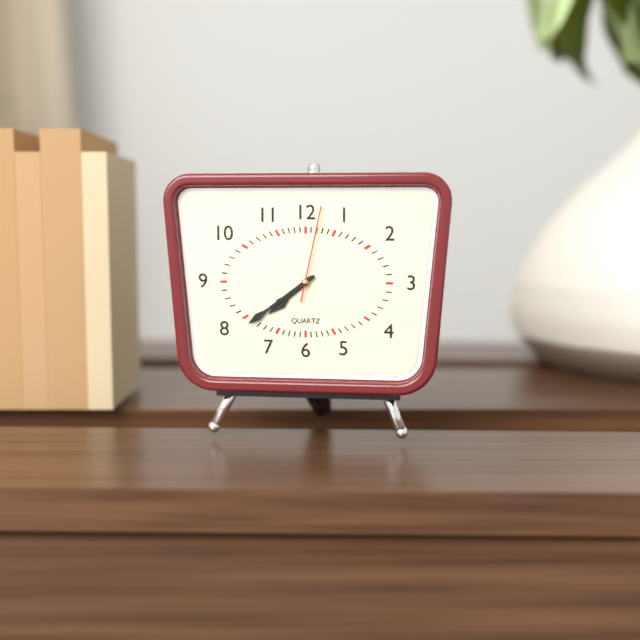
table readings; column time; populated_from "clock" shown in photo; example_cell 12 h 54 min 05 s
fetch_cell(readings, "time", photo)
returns 7 h 39 min 02 s
